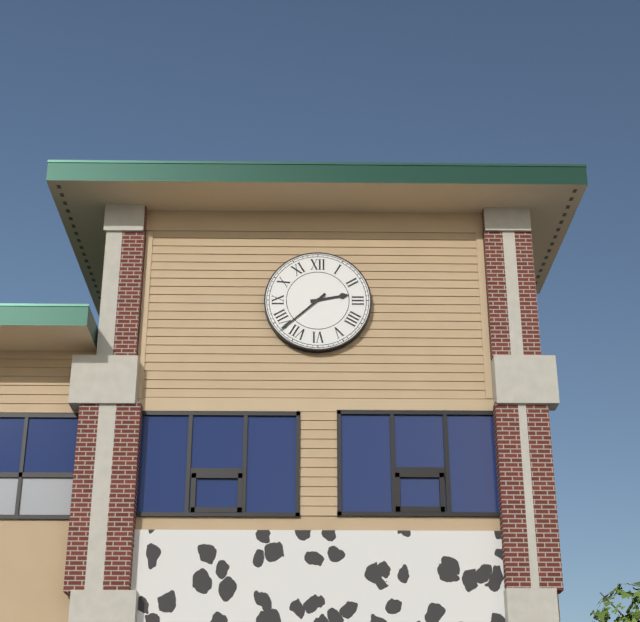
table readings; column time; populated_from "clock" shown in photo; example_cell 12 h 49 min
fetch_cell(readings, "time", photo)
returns 2 h 38 min
